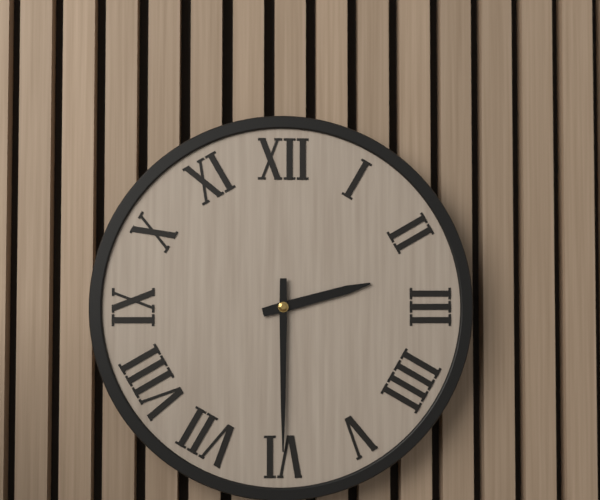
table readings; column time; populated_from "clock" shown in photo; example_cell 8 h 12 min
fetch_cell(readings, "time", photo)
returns 2 h 30 min
